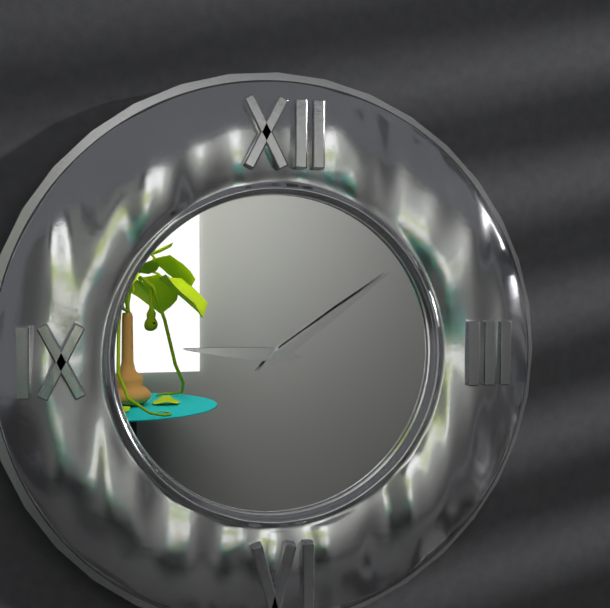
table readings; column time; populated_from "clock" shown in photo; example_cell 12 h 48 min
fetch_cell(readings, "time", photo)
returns 9 h 09 min
